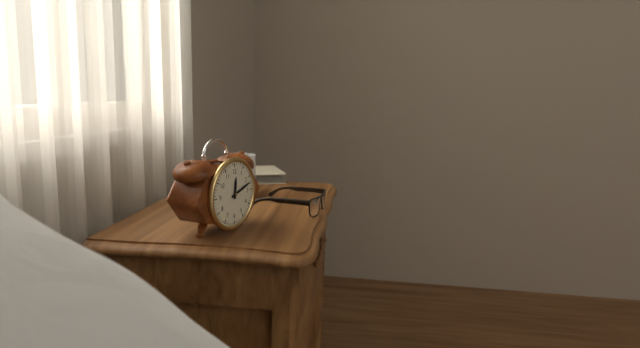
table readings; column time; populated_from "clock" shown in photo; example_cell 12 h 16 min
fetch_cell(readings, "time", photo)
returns 12 h 12 min
